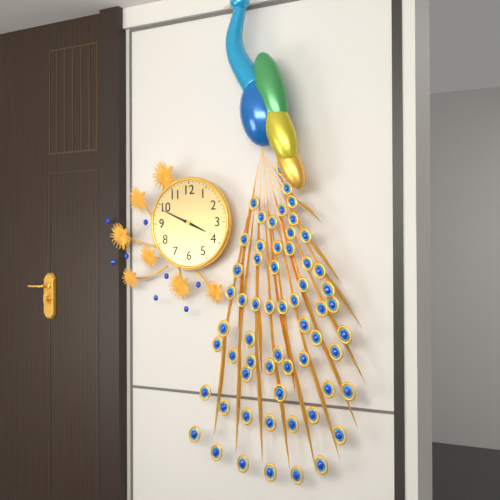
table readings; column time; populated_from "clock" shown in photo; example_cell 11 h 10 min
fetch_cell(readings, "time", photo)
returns 3 h 49 min
